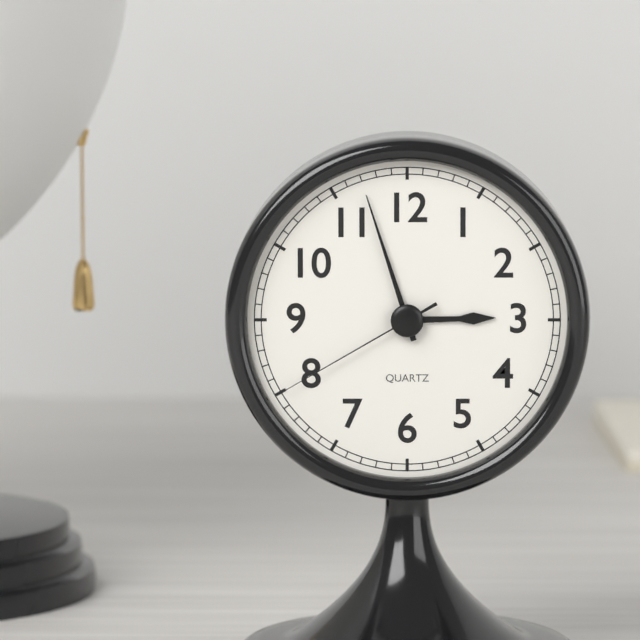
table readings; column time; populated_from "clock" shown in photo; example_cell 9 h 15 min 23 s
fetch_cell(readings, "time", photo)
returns 2 h 57 min 40 s
